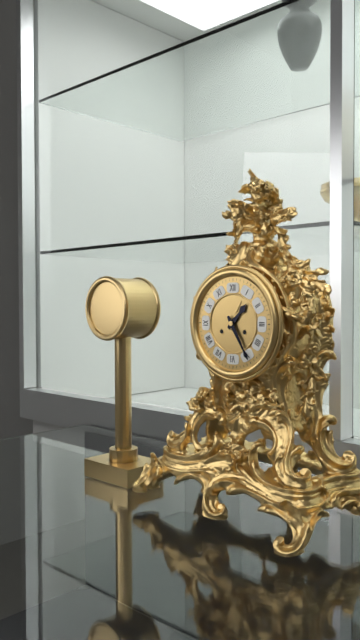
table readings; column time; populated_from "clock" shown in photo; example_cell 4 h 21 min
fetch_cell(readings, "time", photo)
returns 1 h 25 min
